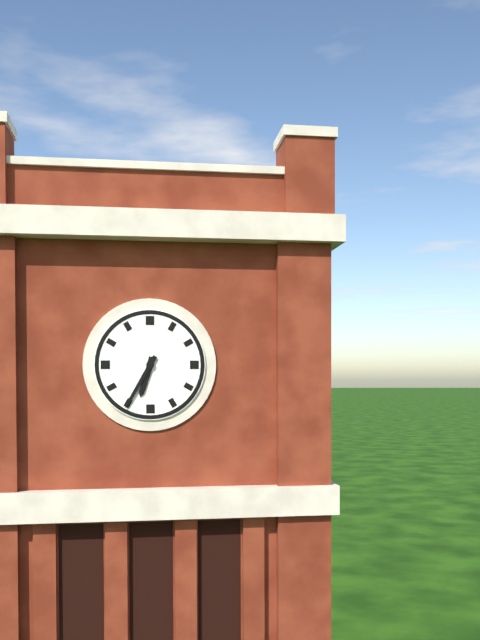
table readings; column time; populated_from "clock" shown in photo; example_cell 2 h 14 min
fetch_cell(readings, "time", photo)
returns 6 h 35 min
